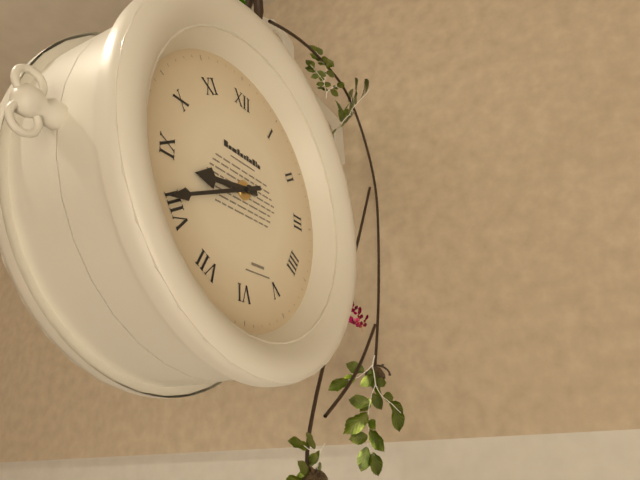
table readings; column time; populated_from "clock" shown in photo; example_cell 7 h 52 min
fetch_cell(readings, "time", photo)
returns 8 h 41 min
